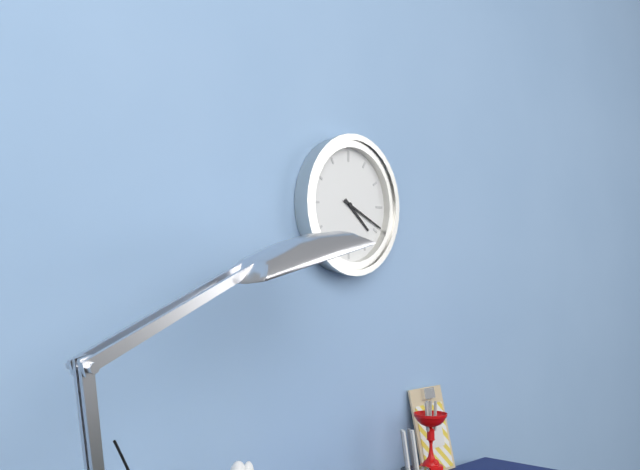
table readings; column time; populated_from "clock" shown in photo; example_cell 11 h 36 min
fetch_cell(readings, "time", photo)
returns 4 h 19 min
